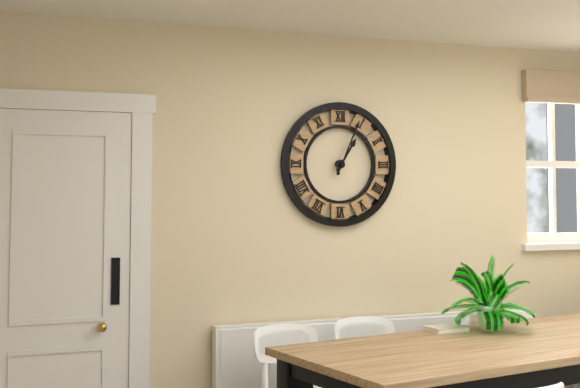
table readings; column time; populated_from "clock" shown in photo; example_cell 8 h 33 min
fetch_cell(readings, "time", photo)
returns 1 h 04 min
